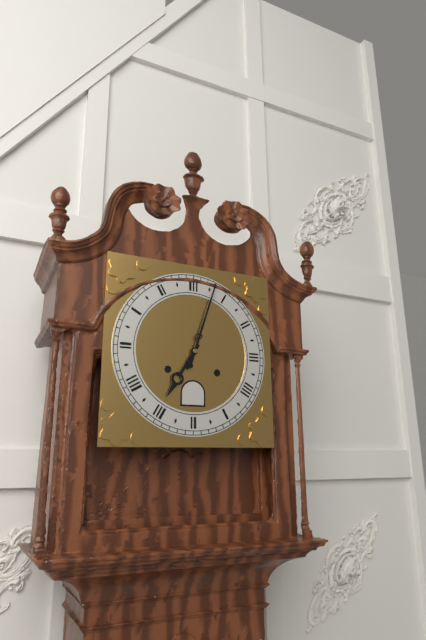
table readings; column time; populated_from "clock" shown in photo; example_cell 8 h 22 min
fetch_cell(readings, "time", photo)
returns 7 h 03 min
